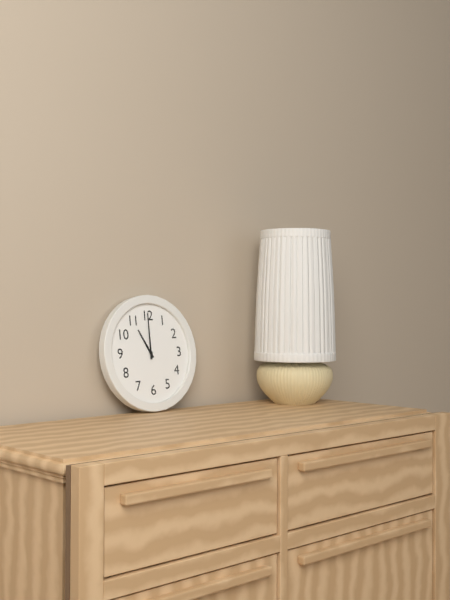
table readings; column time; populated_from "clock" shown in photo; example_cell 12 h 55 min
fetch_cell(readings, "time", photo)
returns 11 h 00 min
